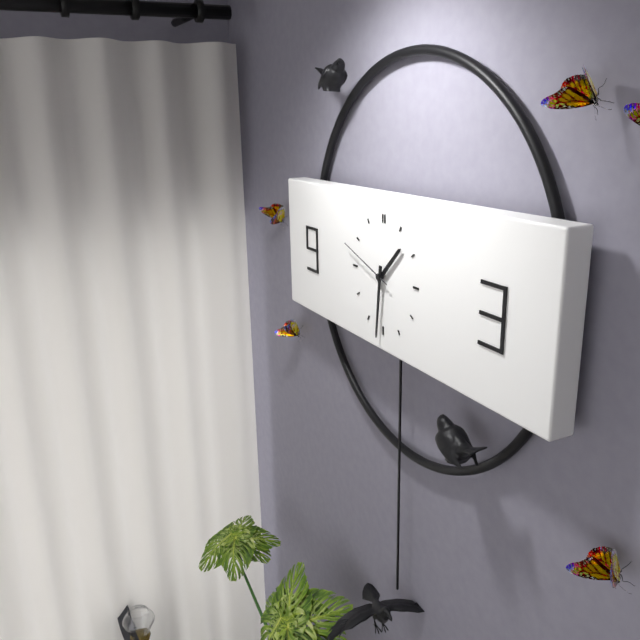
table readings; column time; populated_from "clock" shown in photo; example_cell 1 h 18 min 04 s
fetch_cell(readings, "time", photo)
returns 1 h 31 min 48 s
